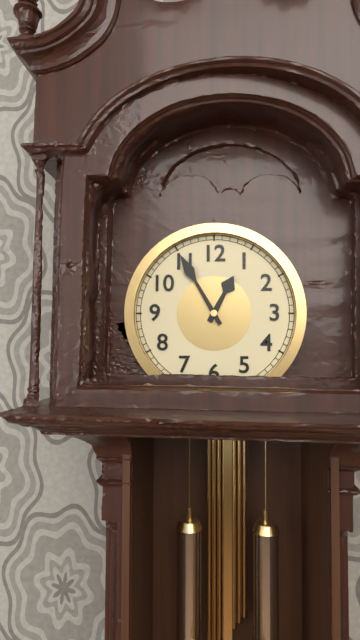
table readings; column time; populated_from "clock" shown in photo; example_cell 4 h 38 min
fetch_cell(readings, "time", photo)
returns 12 h 55 min
